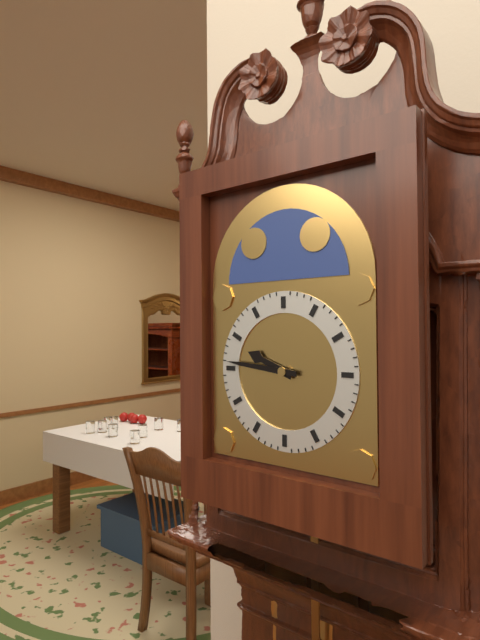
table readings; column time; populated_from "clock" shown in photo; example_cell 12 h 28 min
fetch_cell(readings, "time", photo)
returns 9 h 46 min
